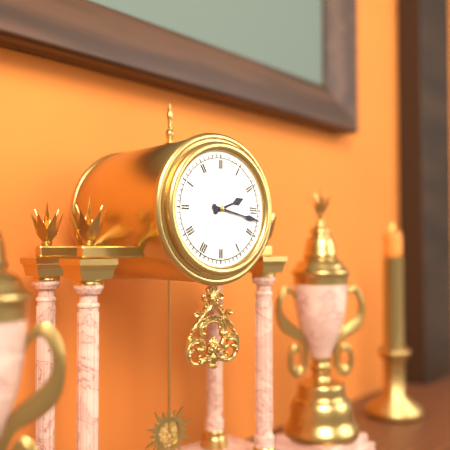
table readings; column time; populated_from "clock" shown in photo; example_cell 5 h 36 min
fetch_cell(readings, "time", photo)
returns 2 h 17 min
